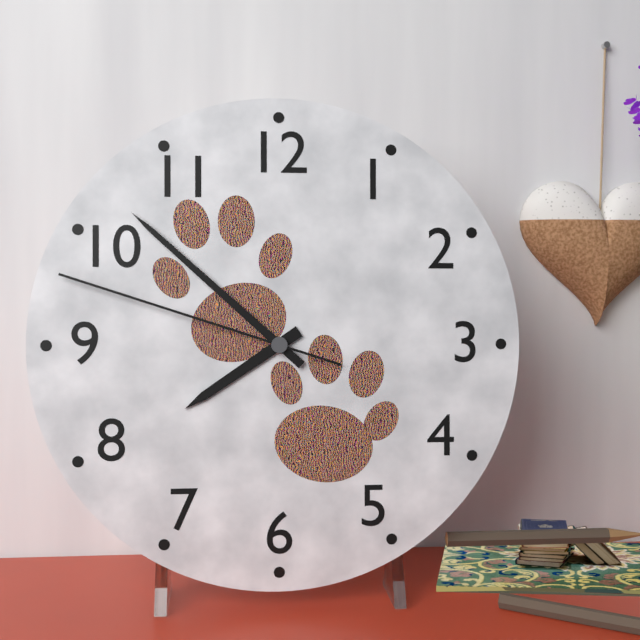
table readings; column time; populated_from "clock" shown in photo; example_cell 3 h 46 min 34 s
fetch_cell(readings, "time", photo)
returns 7 h 52 min 48 s
